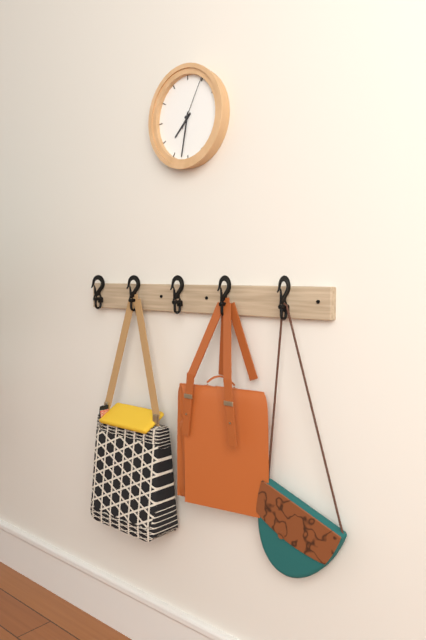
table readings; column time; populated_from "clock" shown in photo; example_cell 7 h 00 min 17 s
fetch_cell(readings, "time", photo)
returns 7 h 32 min 05 s
